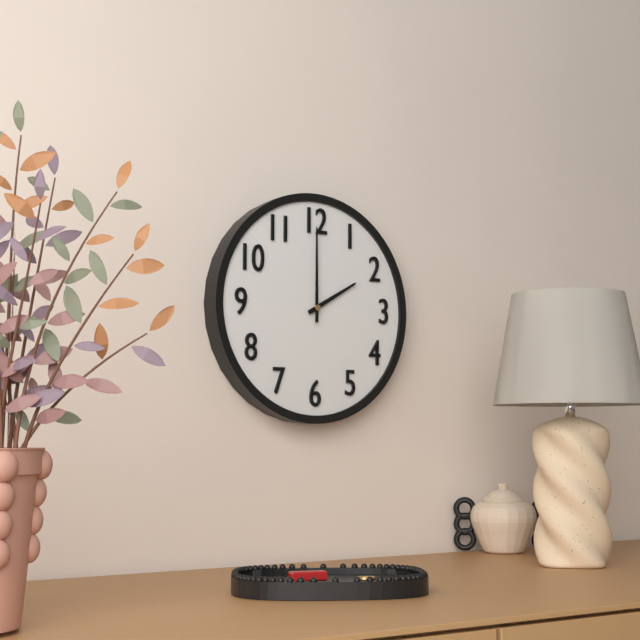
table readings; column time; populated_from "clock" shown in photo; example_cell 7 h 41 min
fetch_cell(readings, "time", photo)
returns 2 h 00 min
